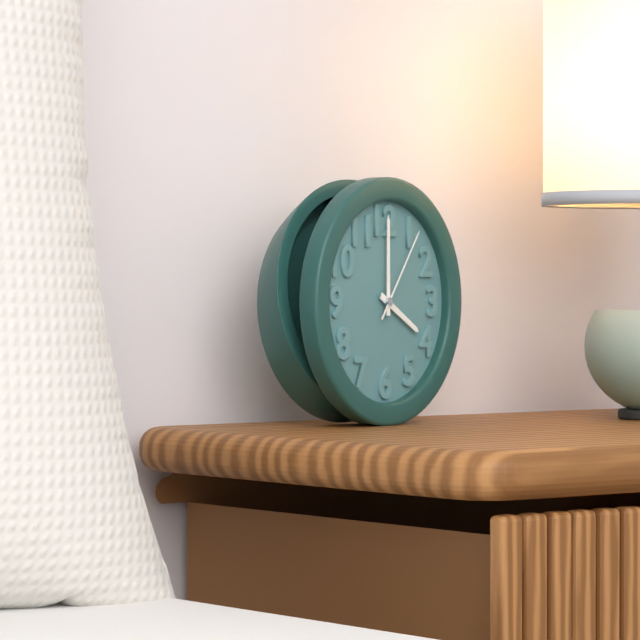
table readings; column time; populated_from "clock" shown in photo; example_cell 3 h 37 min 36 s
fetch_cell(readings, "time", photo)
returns 4 h 00 min 06 s
